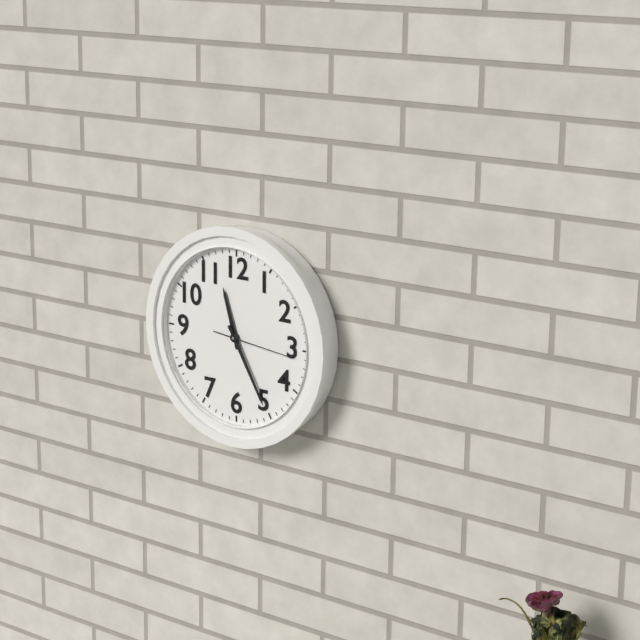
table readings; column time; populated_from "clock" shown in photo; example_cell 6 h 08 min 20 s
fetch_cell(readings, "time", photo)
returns 11 h 25 min 16 s
